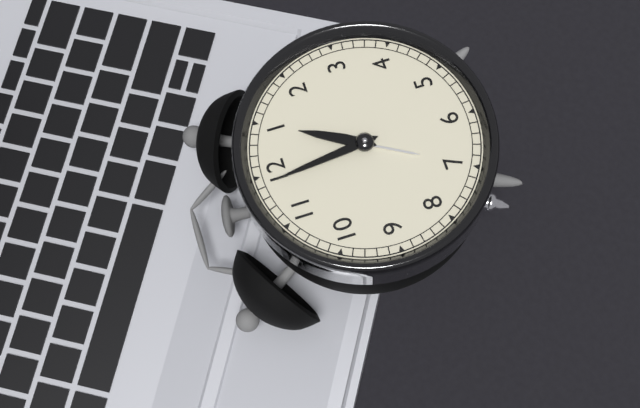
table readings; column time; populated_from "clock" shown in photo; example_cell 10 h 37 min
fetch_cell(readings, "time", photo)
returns 12 h 59 min
